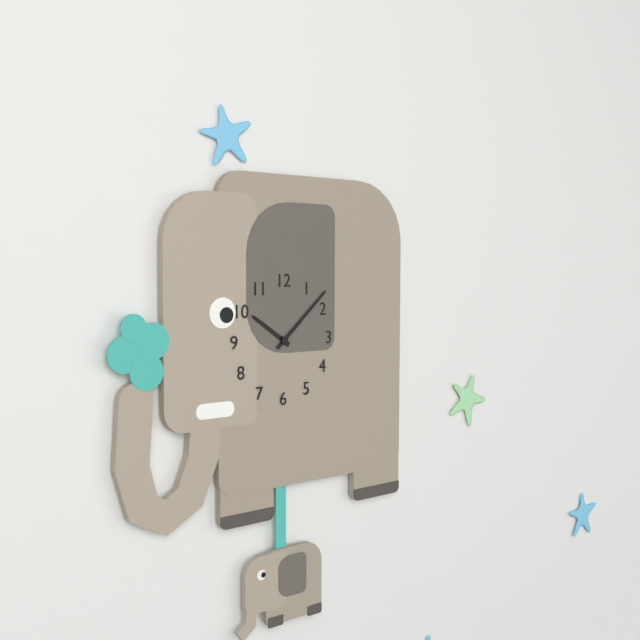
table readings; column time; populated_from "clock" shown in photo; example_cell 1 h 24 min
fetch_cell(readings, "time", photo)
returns 10 h 08 min
